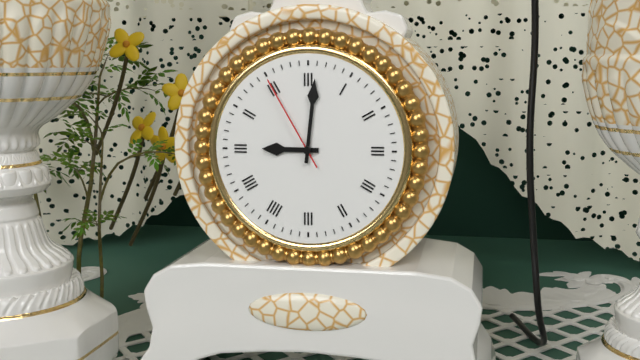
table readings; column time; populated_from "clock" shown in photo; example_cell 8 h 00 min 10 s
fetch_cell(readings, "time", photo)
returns 9 h 01 min 55 s
